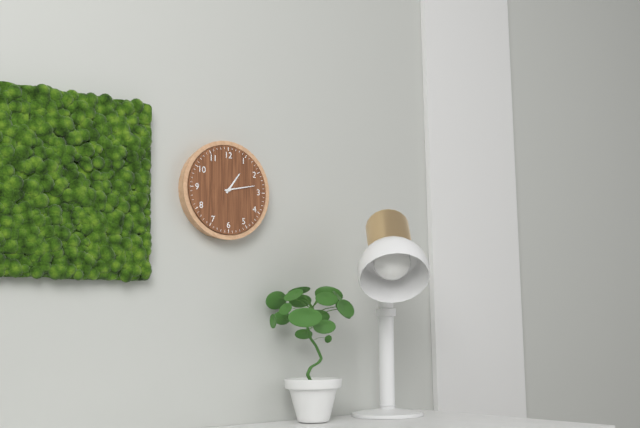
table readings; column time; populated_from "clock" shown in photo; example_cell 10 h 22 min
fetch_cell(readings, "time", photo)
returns 1 h 13 min
